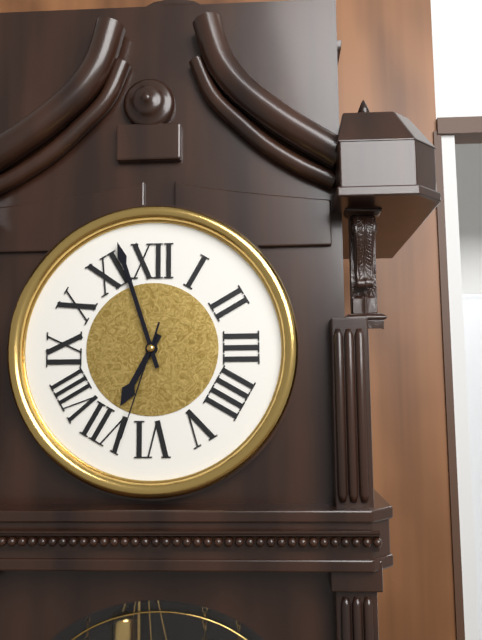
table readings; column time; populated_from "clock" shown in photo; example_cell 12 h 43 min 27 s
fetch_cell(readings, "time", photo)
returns 6 h 57 min 33 s
